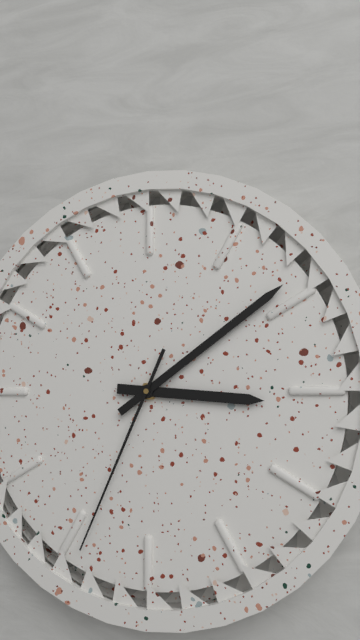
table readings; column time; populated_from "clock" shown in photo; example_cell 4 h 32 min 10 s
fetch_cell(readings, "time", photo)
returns 3 h 09 min 34 s
